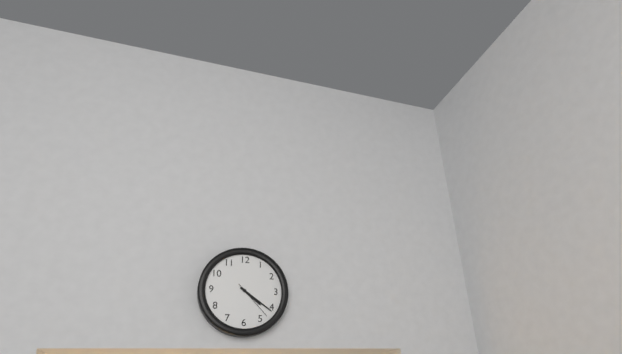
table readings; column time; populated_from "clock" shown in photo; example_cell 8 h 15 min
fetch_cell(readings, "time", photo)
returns 4 h 21 min
